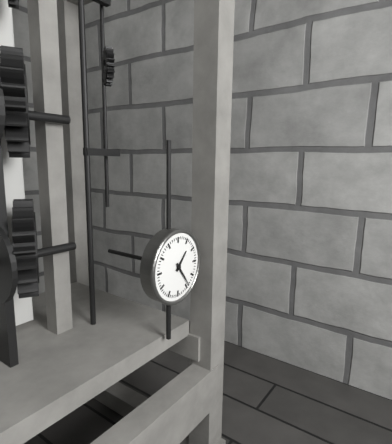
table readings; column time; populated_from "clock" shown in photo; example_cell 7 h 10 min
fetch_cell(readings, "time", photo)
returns 1 h 24 min
